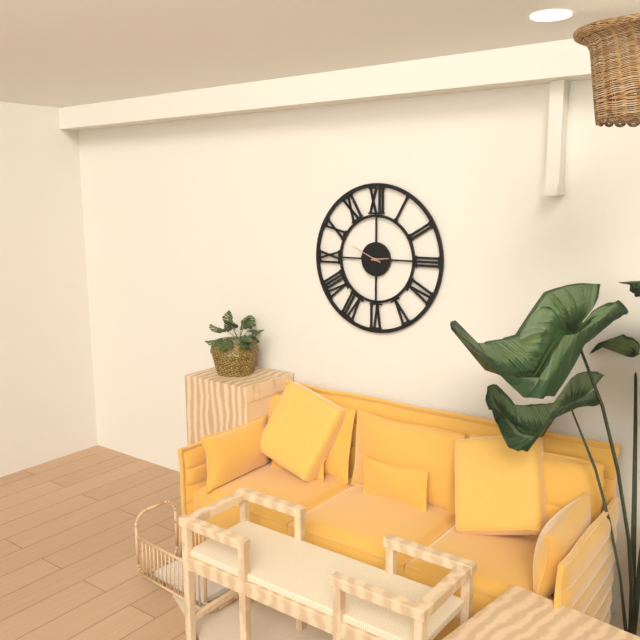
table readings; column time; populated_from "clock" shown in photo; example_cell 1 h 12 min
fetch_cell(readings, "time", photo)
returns 2 h 49 min
